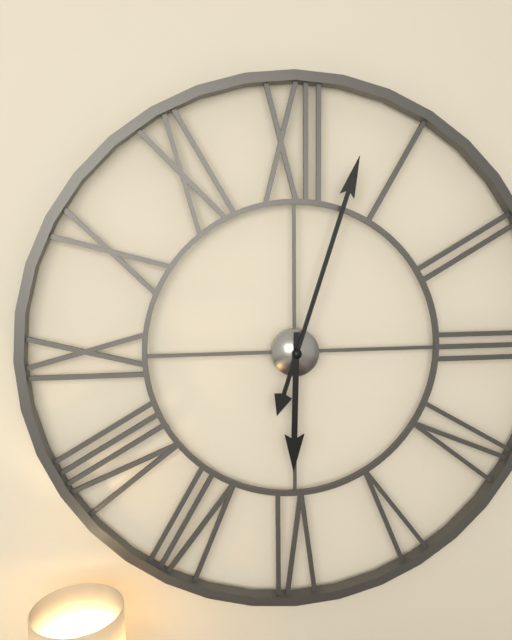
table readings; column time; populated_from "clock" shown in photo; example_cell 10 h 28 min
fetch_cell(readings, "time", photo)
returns 6 h 03 min
